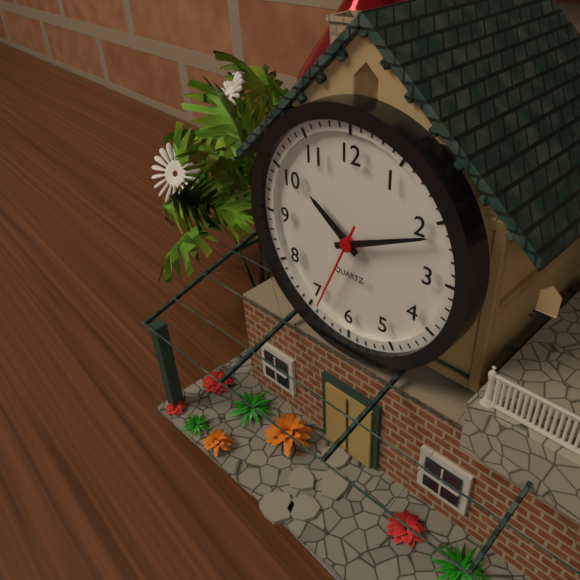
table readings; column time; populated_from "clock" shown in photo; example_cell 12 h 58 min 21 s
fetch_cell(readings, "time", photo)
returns 10 h 11 min 34 s
